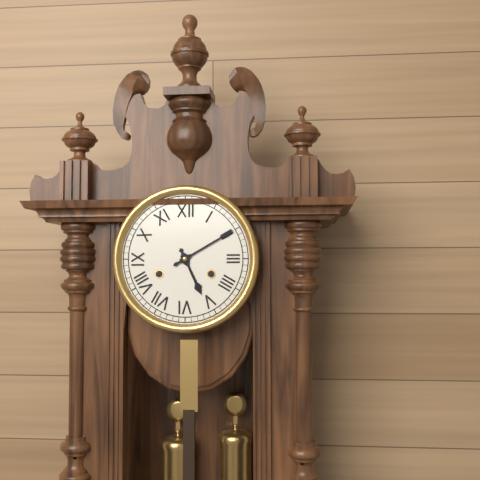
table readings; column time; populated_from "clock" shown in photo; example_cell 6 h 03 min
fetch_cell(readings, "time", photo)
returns 5 h 10 min
